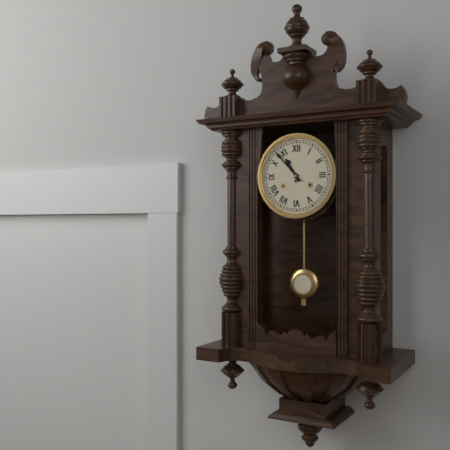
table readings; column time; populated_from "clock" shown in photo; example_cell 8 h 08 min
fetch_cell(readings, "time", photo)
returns 10 h 53 min
